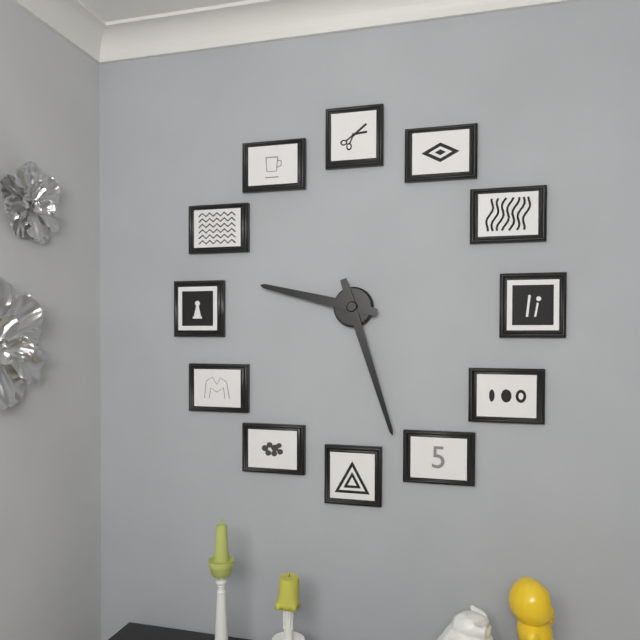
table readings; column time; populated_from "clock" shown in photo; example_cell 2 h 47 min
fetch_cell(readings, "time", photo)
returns 9 h 27 min
